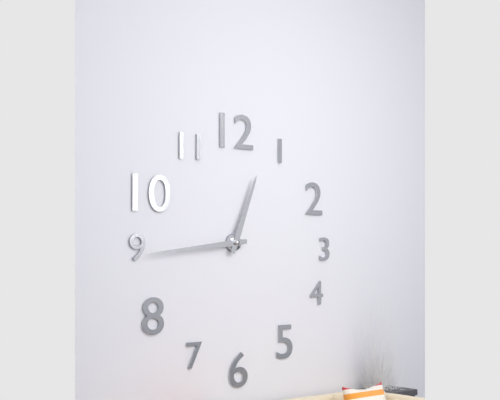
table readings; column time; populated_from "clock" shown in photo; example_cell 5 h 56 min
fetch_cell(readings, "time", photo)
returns 12 h 44 min
